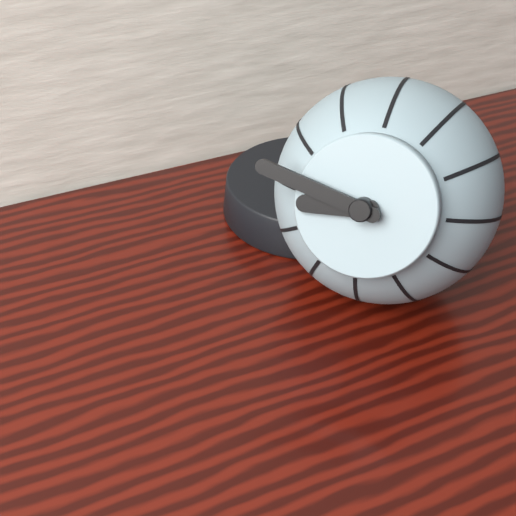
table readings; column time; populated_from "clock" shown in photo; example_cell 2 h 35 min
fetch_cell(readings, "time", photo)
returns 8 h 47 min
